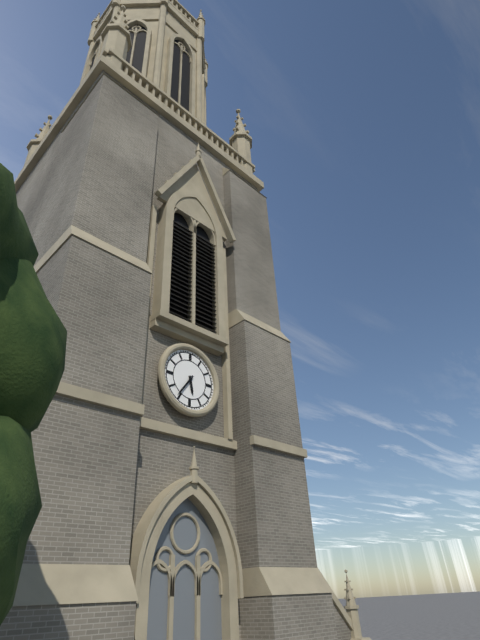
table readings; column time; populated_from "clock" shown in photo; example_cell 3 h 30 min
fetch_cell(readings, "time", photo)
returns 5 h 36 min
